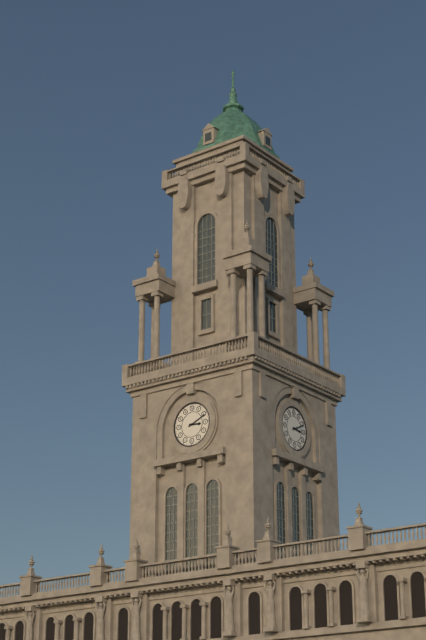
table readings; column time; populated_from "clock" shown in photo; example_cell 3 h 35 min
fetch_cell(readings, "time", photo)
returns 3 h 11 min
